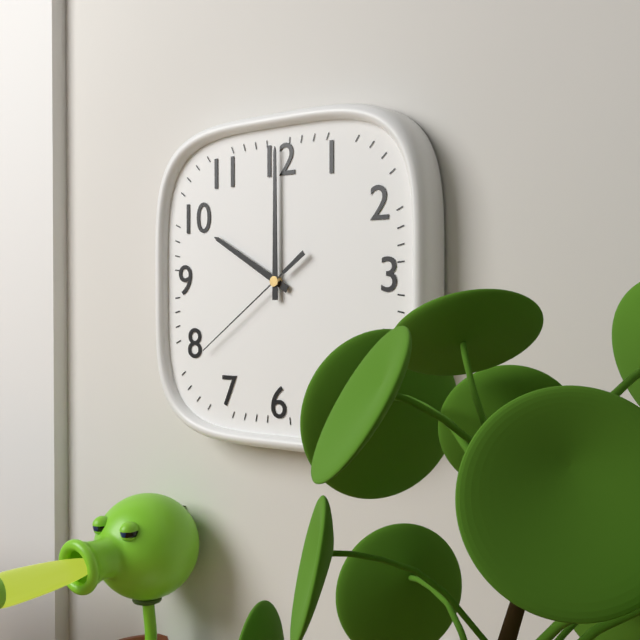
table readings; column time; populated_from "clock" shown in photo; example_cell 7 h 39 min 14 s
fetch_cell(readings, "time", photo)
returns 10 h 00 min 39 s
